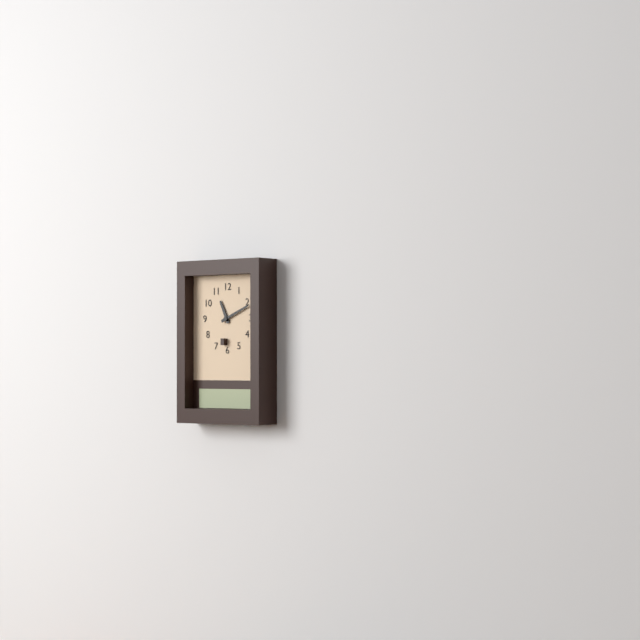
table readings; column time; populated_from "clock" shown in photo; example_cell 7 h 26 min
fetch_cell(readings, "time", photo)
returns 11 h 11 min
